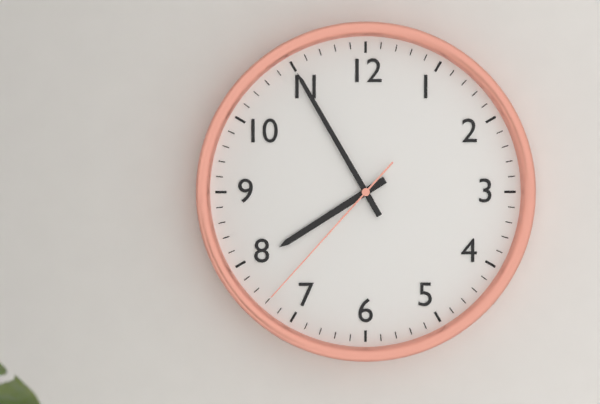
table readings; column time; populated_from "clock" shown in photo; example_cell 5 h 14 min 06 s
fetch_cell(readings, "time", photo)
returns 7 h 55 min 37 s
